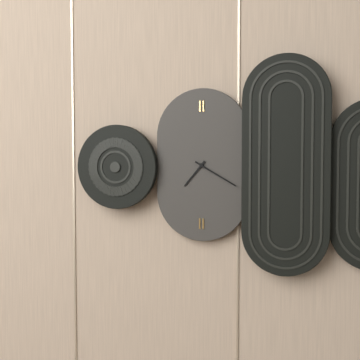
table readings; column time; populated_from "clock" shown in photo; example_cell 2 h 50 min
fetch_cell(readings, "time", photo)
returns 7 h 20 min
